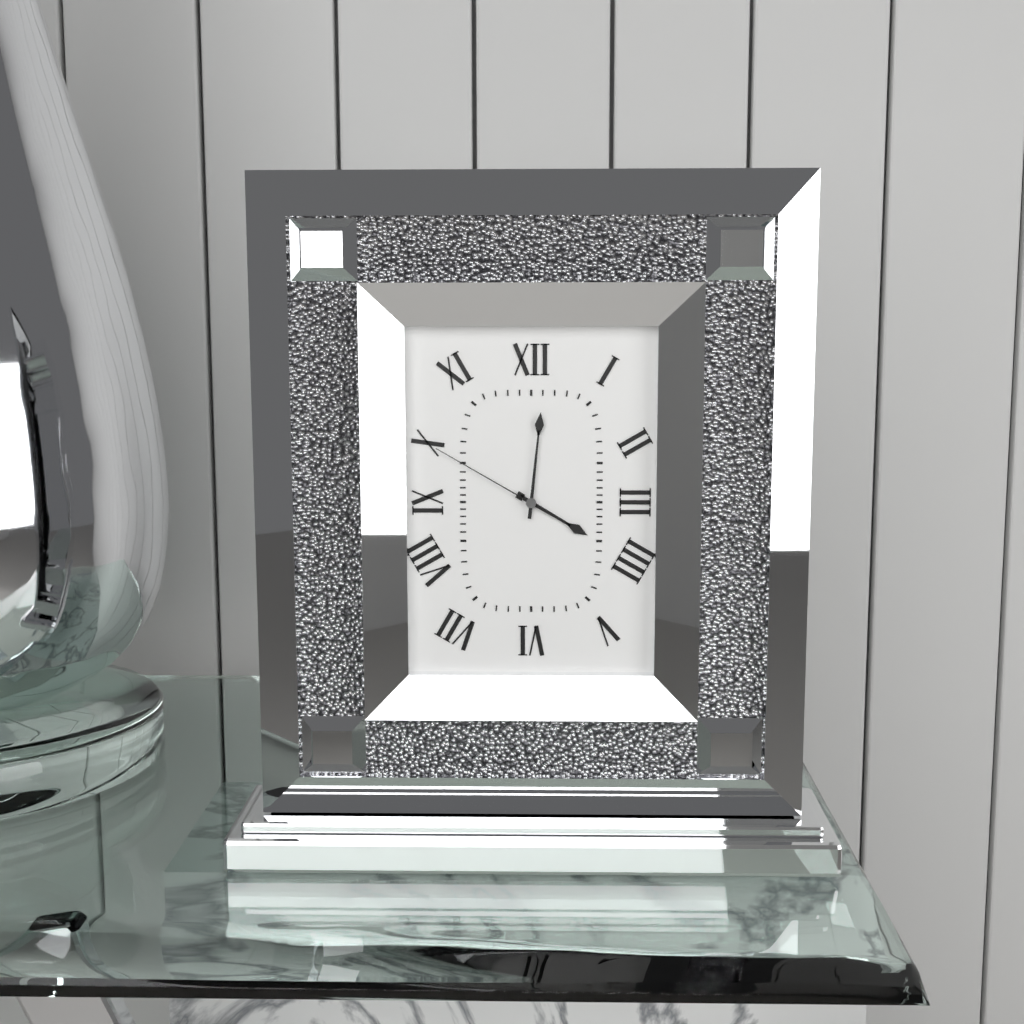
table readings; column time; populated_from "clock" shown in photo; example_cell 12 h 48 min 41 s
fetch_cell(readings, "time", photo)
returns 4 h 01 min 50 s
